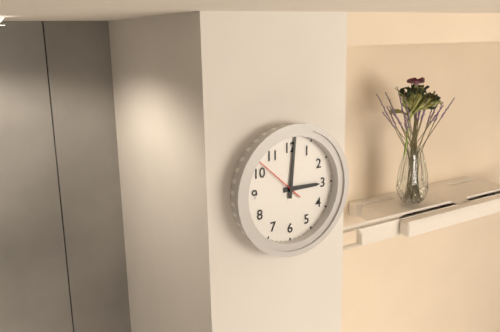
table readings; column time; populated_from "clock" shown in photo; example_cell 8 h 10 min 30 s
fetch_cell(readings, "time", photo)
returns 3 h 01 min 52 s
